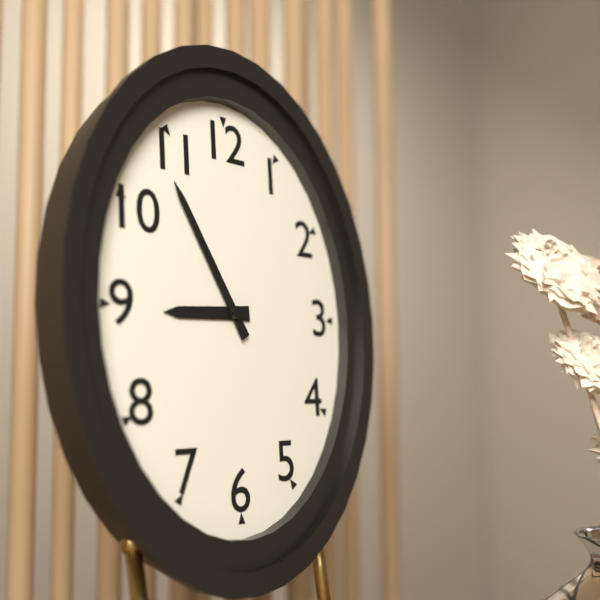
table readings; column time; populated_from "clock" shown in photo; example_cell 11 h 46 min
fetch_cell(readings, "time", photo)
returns 8 h 55 min
